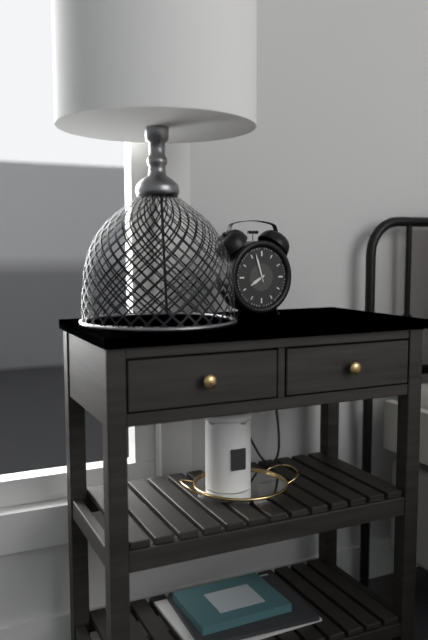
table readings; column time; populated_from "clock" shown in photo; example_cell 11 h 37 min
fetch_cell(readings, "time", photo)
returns 7 h 57 min
